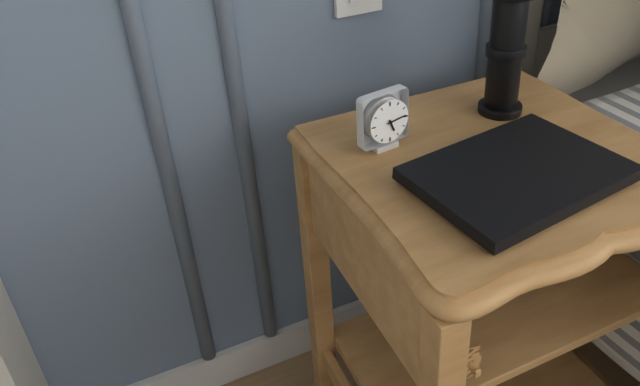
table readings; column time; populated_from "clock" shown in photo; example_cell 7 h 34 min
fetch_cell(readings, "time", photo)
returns 5 h 14 min
